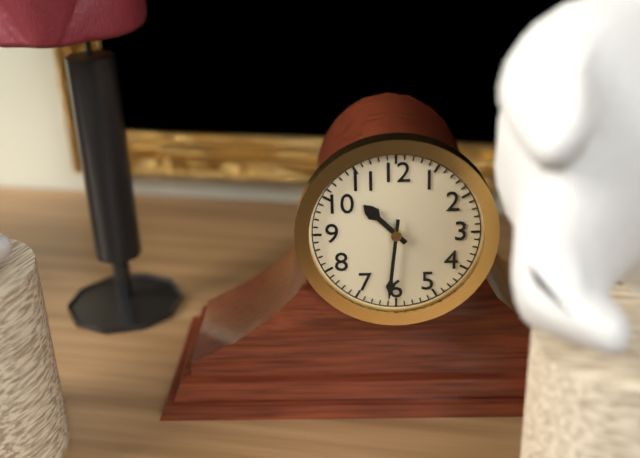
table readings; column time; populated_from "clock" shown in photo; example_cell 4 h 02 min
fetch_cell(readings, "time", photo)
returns 10 h 31 min
